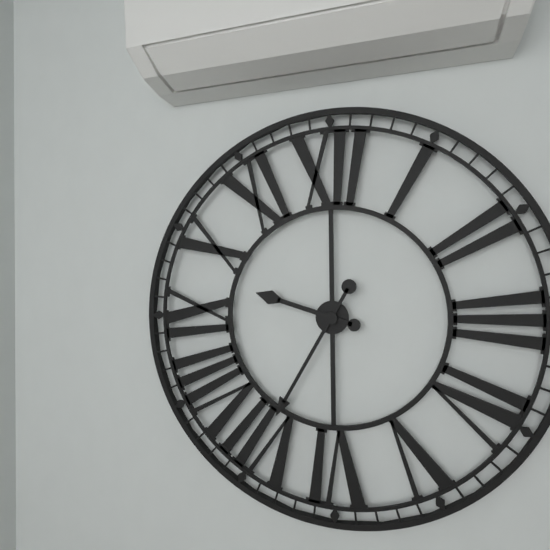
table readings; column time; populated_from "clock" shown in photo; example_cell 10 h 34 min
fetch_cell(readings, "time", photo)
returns 9 h 35 min
